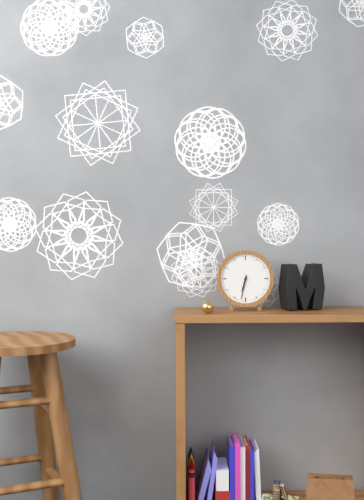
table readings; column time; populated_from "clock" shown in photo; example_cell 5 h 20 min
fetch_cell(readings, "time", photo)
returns 6 h 32 min
